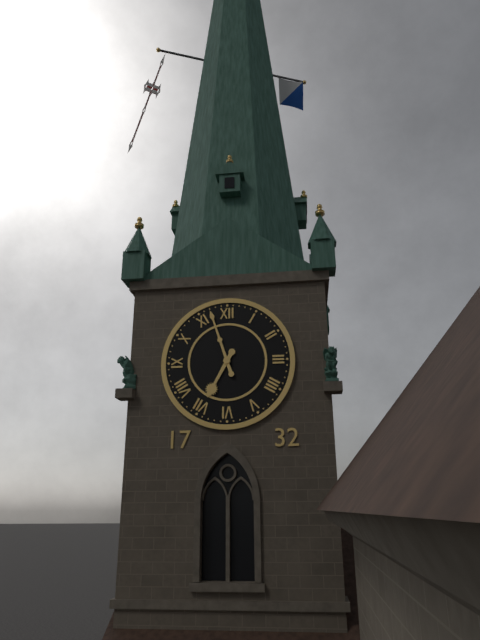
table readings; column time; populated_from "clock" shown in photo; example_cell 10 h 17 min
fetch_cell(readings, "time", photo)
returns 6 h 57 min
